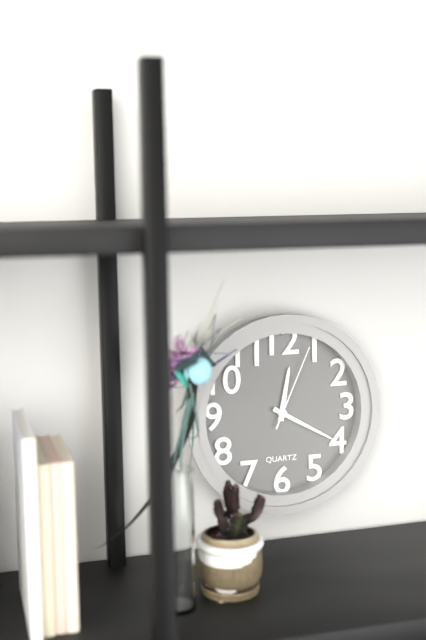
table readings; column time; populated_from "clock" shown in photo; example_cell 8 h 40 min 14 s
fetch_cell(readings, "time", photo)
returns 12 h 20 min 04 s
